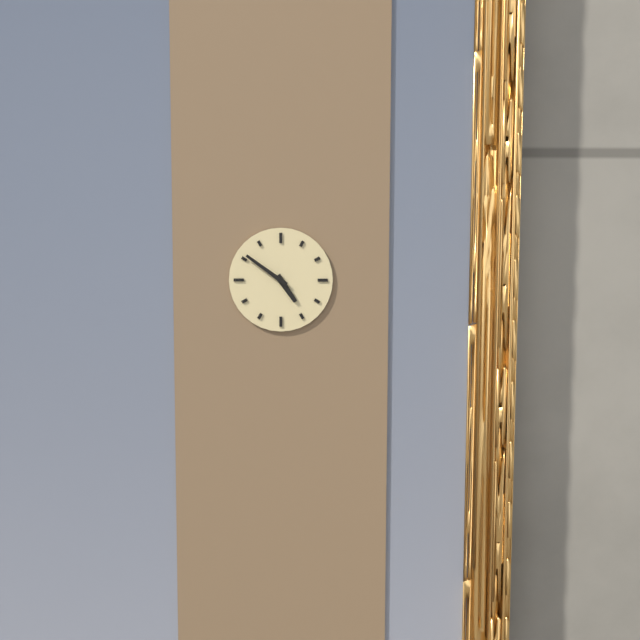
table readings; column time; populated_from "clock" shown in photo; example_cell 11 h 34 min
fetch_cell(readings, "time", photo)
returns 4 h 51 min
